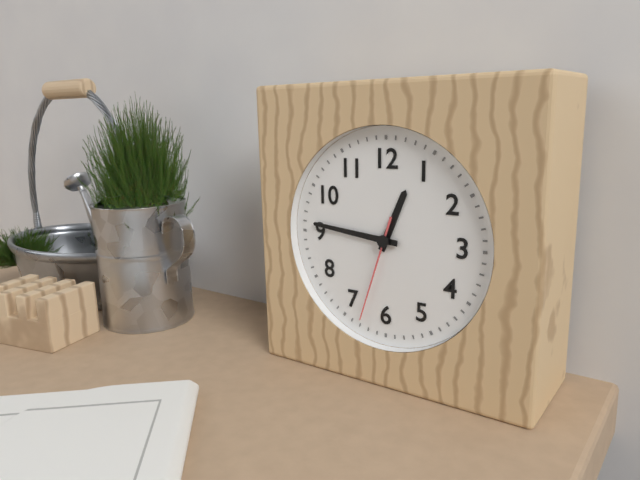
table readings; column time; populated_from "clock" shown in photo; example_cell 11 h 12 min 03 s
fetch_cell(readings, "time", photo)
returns 12 h 46 min 33 s
